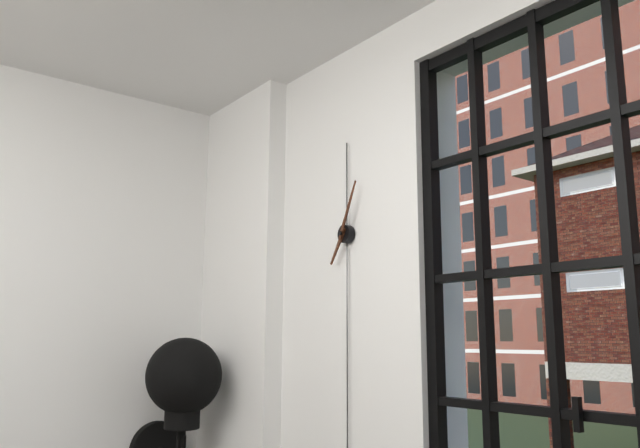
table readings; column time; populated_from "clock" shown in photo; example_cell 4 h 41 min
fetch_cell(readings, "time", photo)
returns 7 h 04 min
